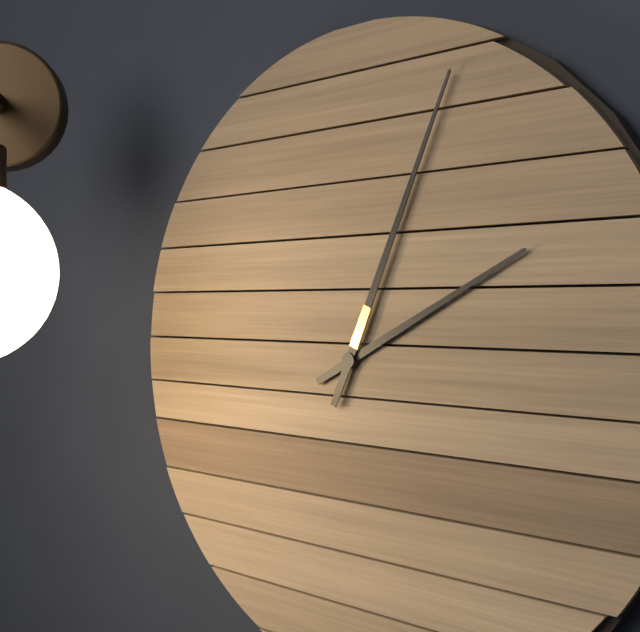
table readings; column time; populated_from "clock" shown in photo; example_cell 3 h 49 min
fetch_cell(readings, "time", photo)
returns 2 h 04 min
